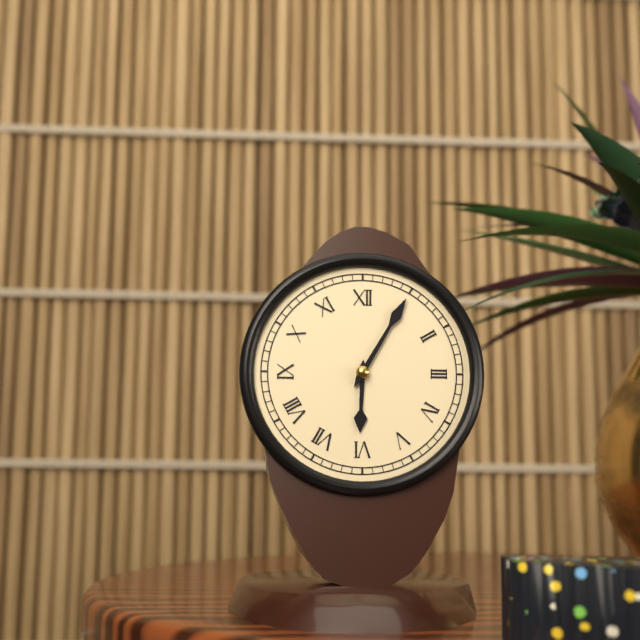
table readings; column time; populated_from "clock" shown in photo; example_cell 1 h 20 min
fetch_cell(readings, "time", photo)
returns 6 h 05 min
